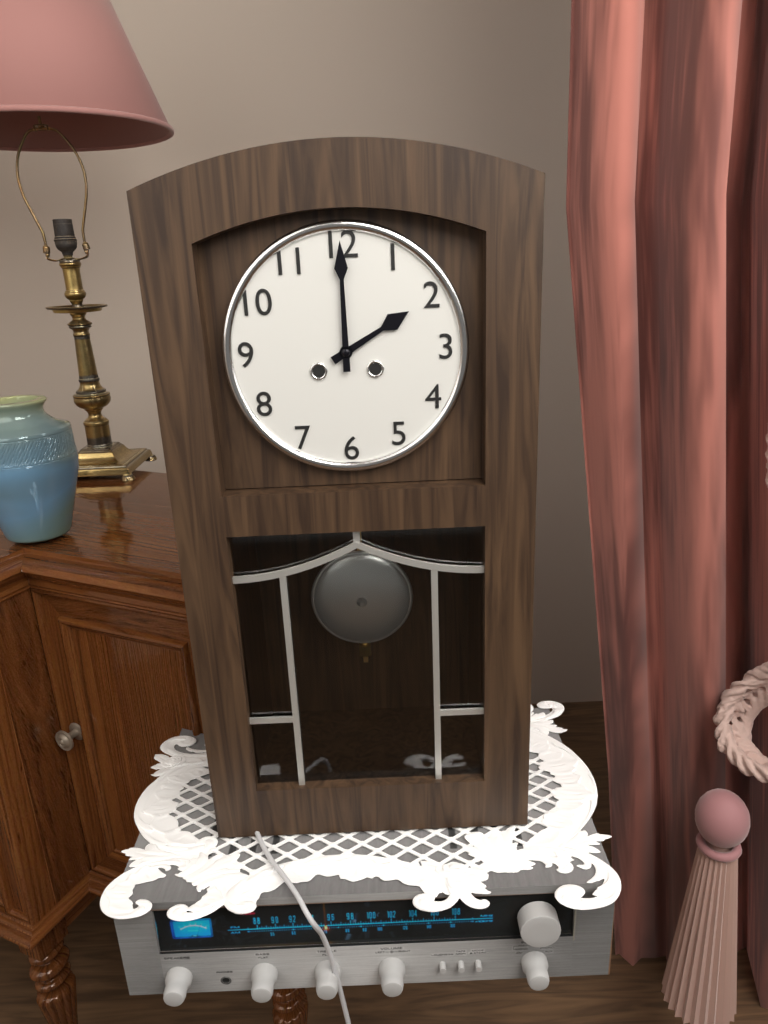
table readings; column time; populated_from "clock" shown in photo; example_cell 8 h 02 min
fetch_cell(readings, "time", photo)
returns 2 h 00 min
